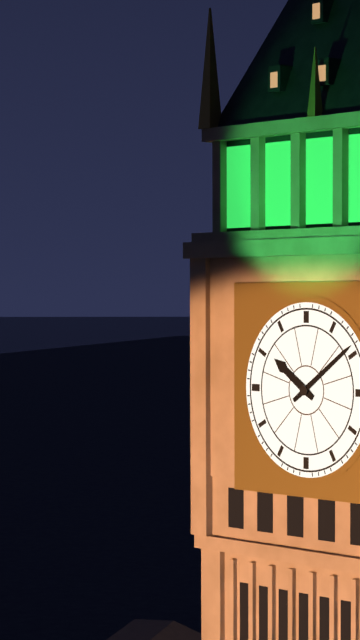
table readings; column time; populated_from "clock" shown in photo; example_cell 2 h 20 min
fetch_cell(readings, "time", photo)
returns 10 h 09 min
